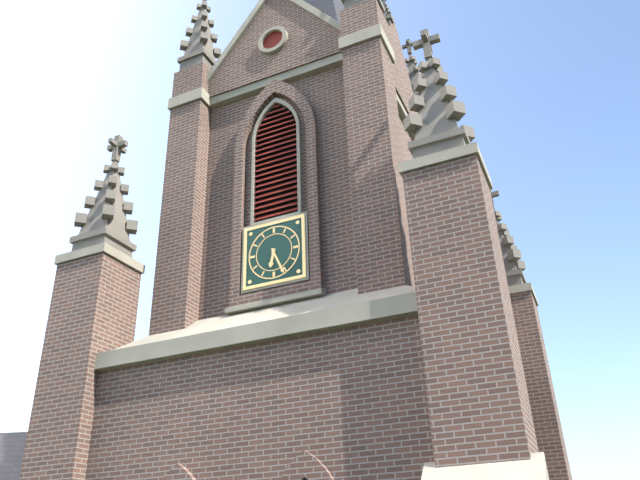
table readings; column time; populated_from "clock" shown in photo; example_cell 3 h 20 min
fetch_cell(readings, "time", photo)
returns 6 h 26 min
